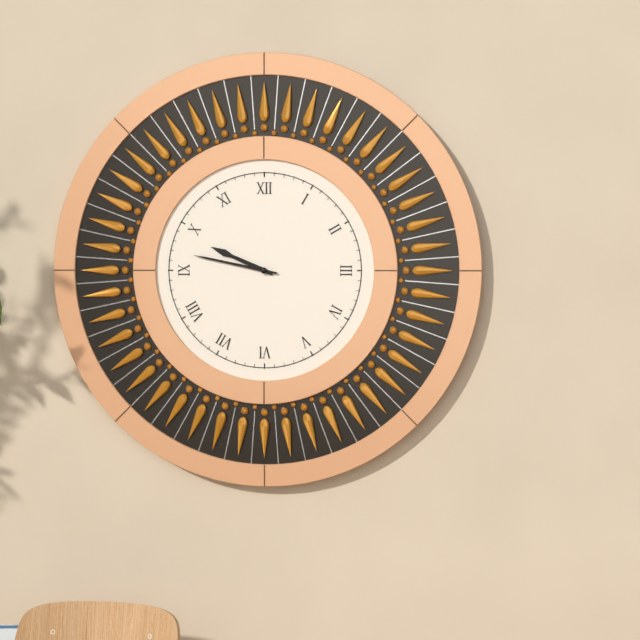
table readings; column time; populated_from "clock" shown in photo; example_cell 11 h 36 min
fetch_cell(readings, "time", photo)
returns 9 h 47 min
